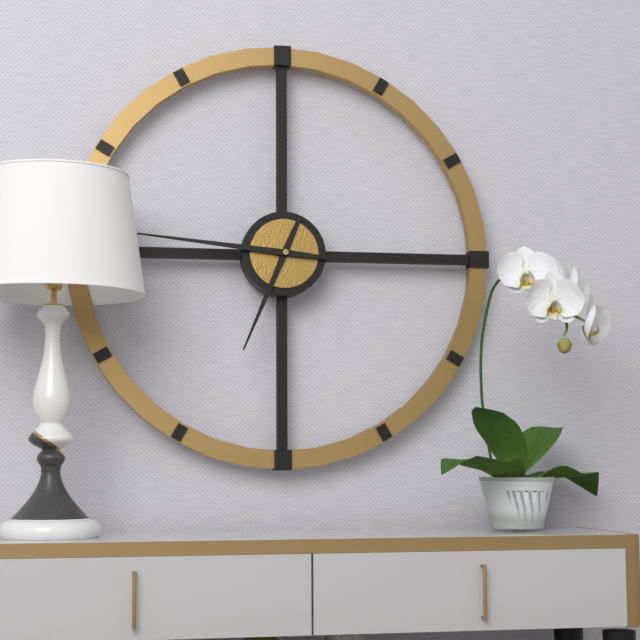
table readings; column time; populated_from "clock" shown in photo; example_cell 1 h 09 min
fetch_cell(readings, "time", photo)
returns 6 h 46 min
